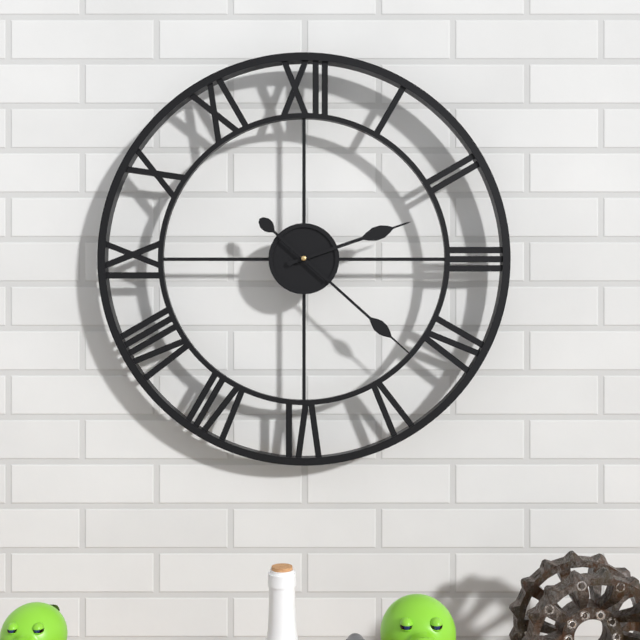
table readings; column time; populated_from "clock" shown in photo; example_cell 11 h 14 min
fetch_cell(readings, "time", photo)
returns 2 h 22 min
